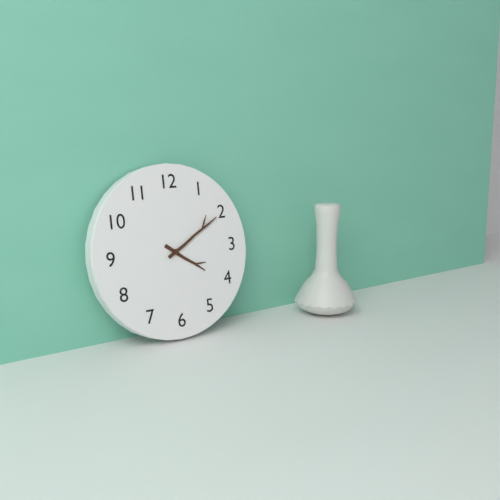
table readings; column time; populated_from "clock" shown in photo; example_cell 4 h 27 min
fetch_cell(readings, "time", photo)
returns 4 h 10 min
